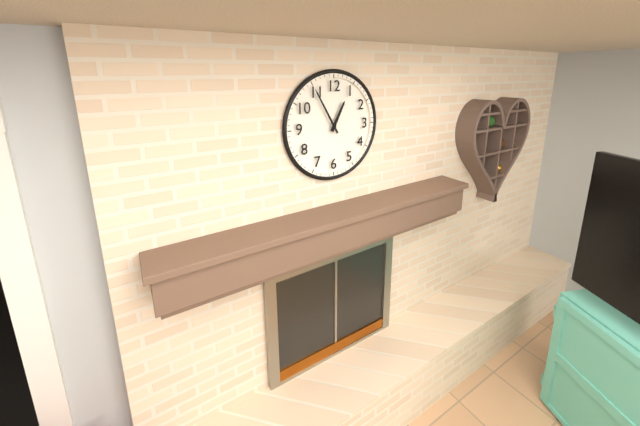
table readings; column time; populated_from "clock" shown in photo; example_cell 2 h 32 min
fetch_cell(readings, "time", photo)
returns 12 h 55 min
